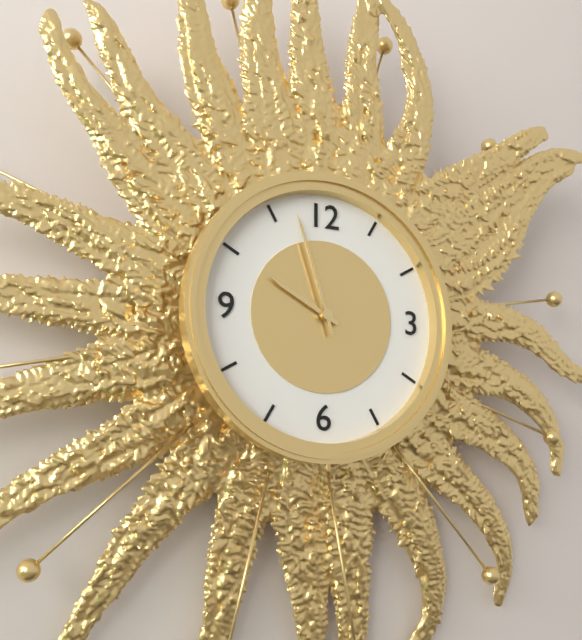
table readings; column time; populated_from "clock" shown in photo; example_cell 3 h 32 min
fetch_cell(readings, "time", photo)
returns 9 h 57 min
